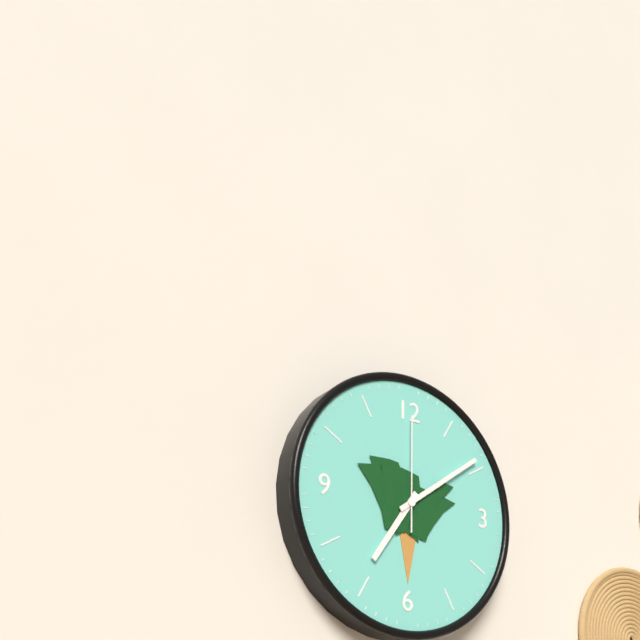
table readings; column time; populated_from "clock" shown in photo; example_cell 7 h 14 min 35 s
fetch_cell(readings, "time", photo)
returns 7 h 09 min 00 s
